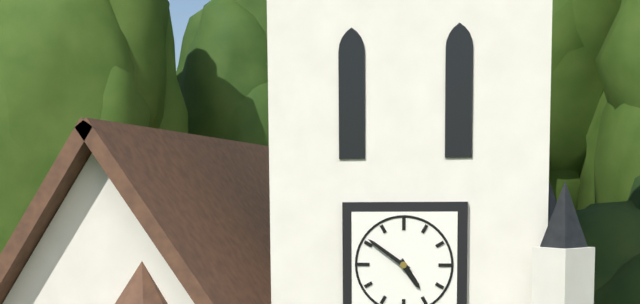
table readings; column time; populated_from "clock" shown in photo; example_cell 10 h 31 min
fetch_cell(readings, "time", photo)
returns 4 h 51 min
